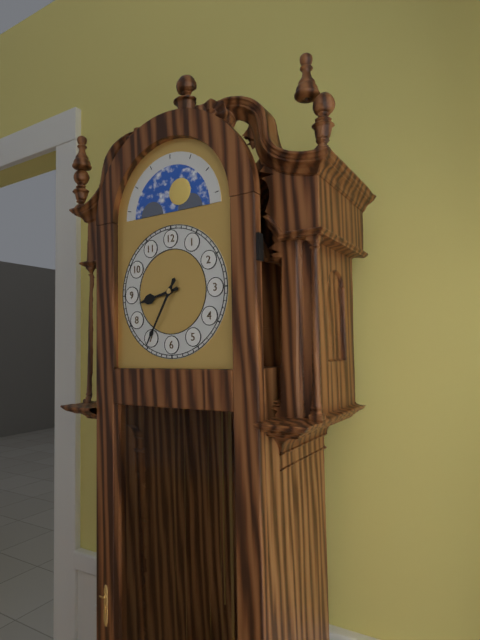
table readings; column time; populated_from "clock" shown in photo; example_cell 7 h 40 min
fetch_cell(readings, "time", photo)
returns 8 h 35 min
